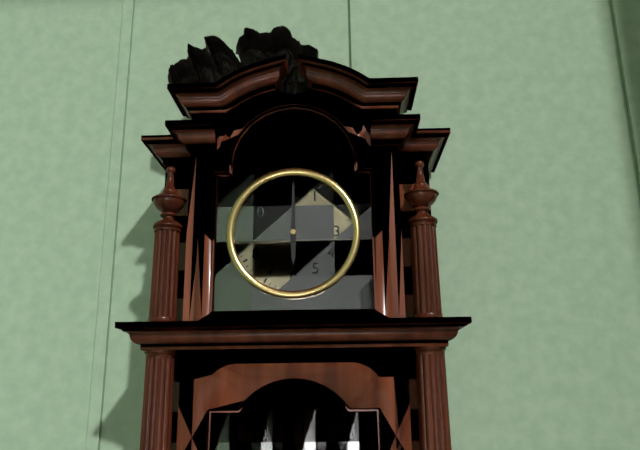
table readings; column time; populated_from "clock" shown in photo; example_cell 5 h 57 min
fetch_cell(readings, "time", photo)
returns 6 h 00 min
